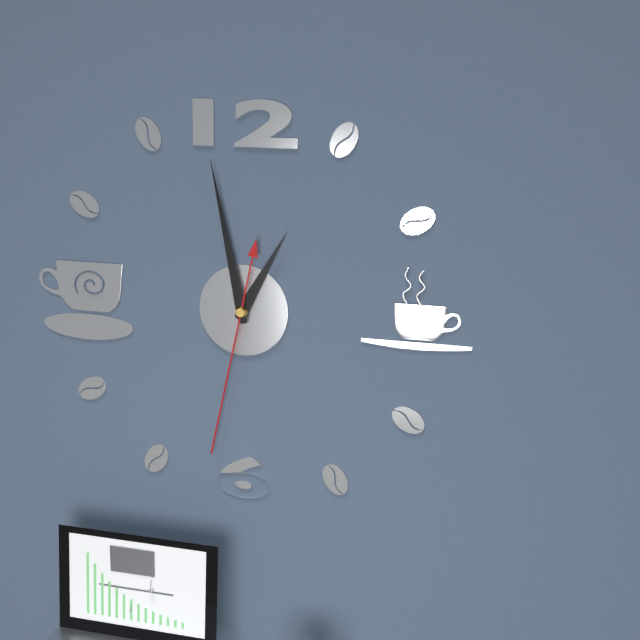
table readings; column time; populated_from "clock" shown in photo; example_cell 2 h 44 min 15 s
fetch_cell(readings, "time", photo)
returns 12 h 58 min 32 s
